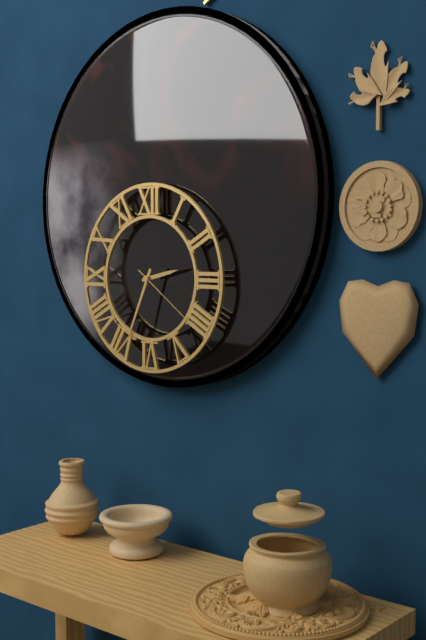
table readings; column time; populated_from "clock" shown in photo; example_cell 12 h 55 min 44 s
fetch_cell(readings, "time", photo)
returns 2 h 34 min 21 s
